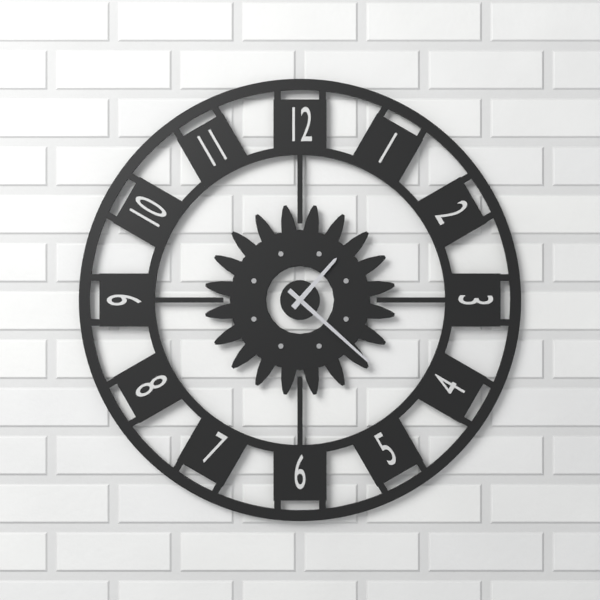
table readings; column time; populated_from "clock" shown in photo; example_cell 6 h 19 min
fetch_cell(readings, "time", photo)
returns 1 h 22 min
